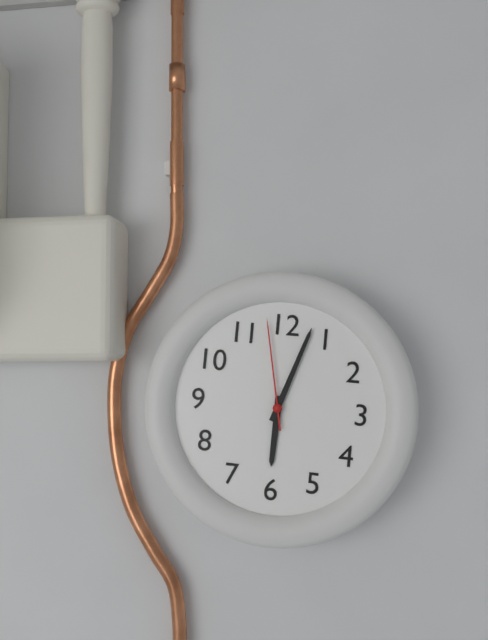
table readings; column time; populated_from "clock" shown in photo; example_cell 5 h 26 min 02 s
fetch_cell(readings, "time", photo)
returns 6 h 03 min 58 s
